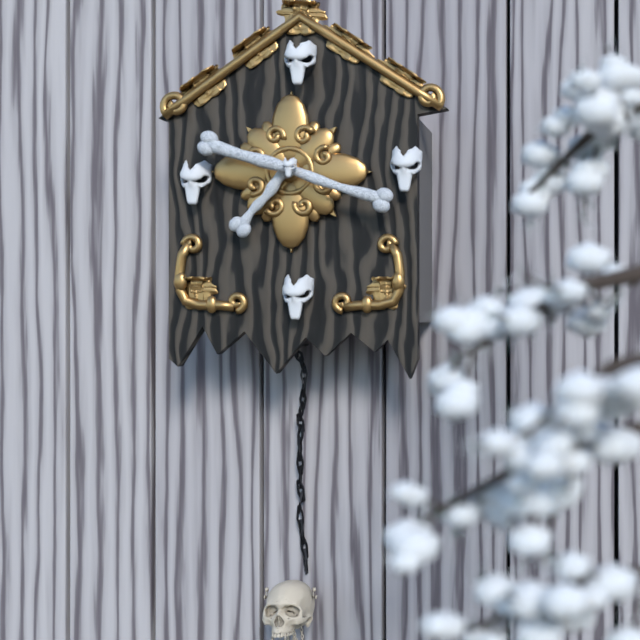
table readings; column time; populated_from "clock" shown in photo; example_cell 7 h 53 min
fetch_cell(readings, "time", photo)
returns 7 h 18 min
